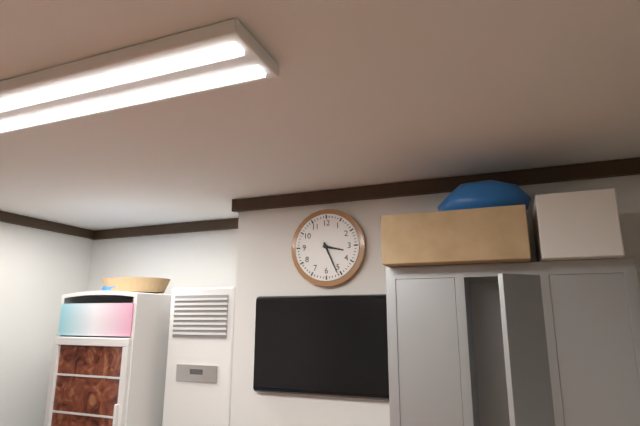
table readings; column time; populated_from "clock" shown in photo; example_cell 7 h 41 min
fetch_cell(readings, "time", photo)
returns 3 h 26 min
